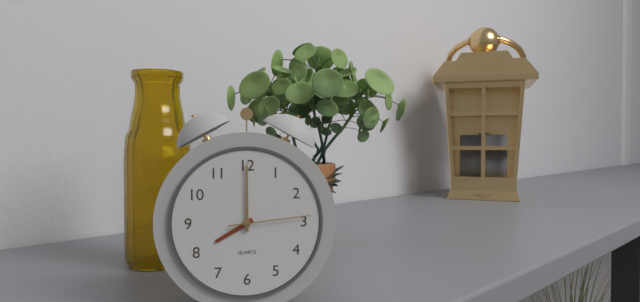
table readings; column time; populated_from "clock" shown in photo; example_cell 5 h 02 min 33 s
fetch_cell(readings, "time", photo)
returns 8 h 00 min 14 s
